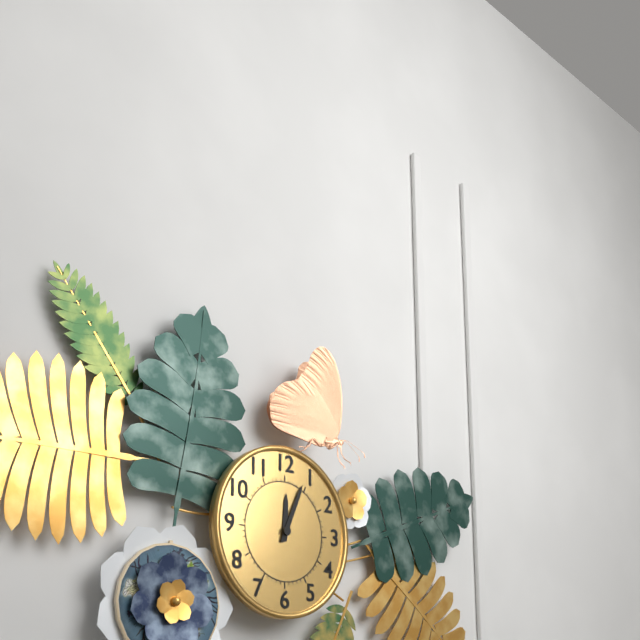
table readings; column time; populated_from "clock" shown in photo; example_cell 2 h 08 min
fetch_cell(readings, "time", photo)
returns 12 h 04 min
